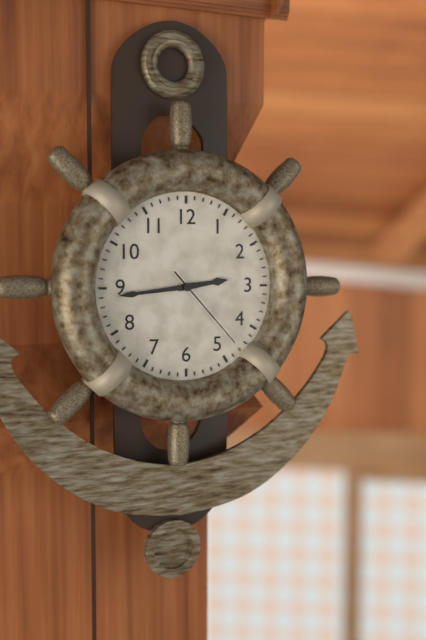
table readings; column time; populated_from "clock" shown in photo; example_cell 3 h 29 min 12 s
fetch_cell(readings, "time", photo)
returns 2 h 44 min 23 s
